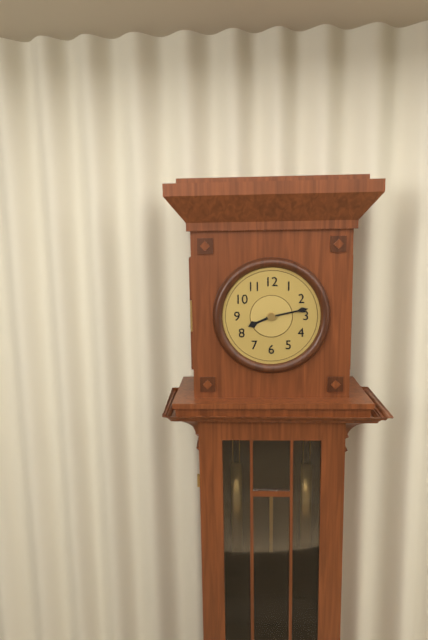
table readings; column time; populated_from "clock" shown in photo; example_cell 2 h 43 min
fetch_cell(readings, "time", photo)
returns 8 h 13 min
